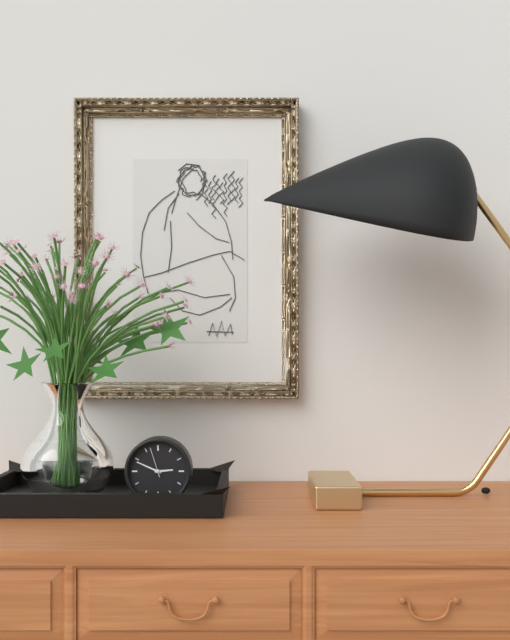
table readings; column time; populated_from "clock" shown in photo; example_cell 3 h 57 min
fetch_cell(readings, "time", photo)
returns 2 h 49 min
